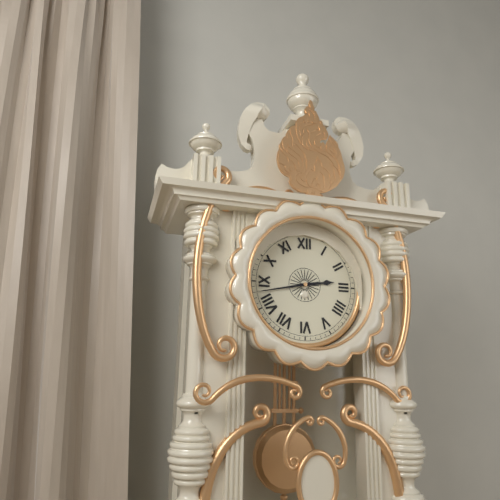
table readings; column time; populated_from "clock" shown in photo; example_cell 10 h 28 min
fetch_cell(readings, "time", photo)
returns 2 h 43 min
